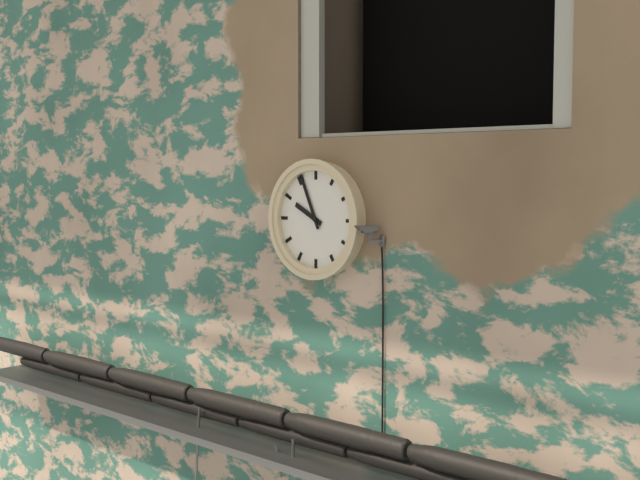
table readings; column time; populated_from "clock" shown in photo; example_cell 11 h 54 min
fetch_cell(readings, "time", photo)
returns 9 h 56 min
